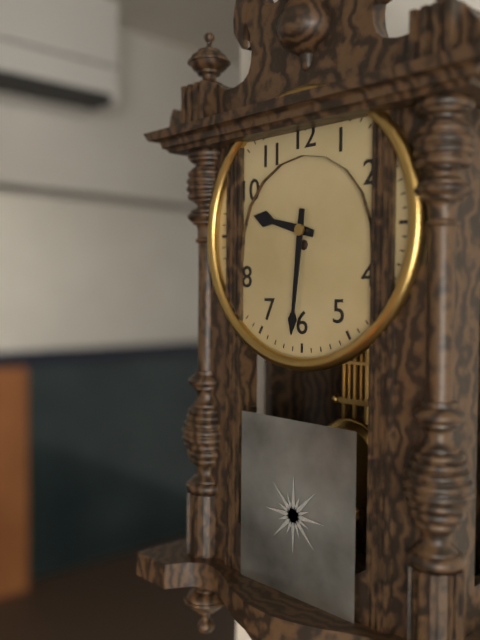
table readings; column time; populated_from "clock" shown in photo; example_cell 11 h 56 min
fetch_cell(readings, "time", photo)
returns 9 h 31 min
